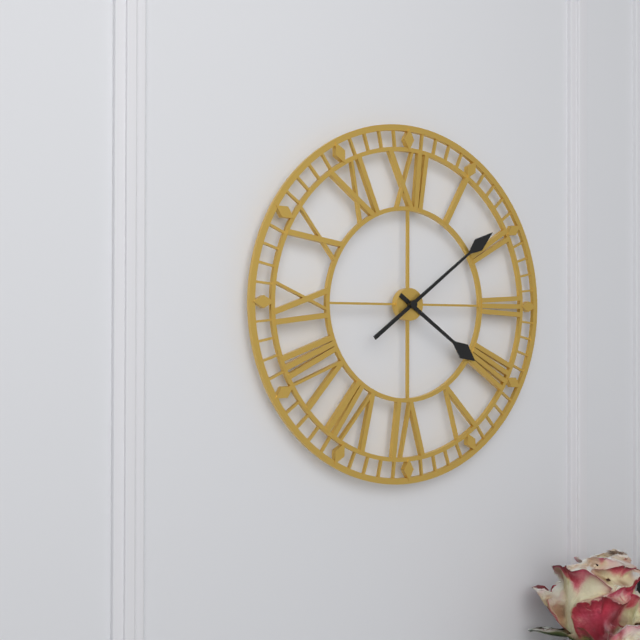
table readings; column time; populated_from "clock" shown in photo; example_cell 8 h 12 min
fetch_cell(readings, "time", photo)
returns 4 h 09 min
